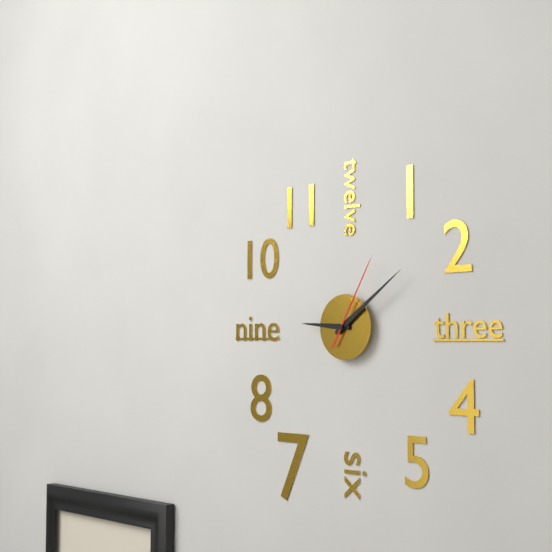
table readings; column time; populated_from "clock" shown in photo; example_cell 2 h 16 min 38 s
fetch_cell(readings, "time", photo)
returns 9 h 09 min 05 s
